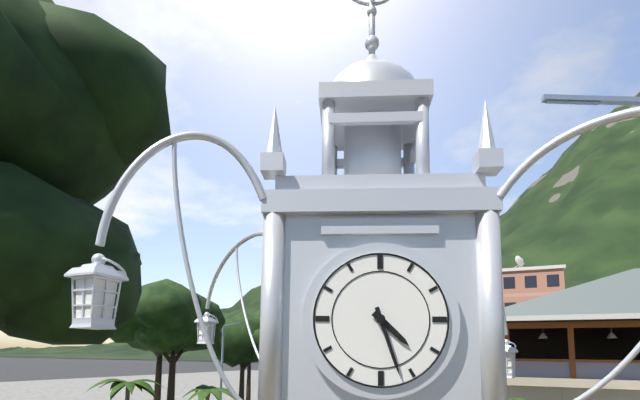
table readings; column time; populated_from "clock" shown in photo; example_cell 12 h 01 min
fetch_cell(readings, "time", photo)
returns 4 h 27 min
